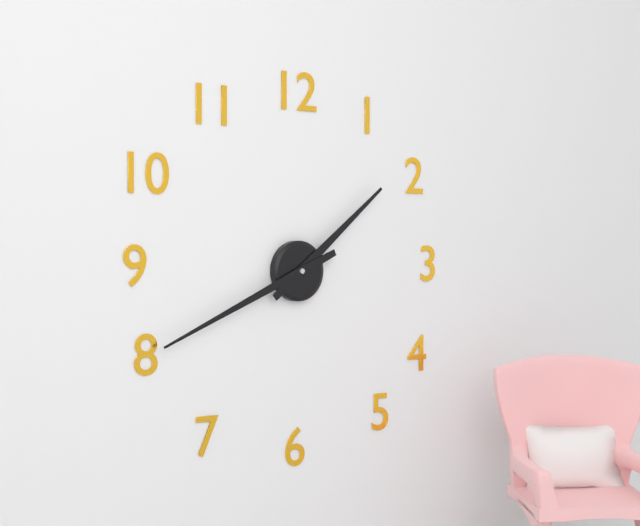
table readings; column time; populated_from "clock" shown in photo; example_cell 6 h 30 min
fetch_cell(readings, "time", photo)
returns 1 h 41 min
